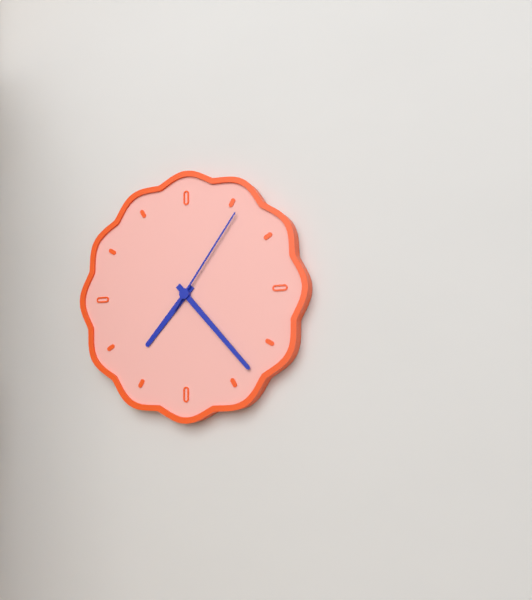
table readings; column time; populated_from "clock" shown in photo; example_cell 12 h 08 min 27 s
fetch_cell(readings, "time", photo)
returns 7 h 23 min 06 s
